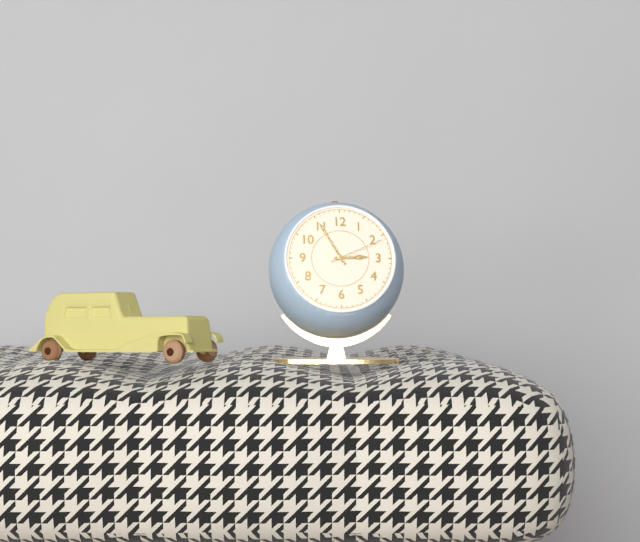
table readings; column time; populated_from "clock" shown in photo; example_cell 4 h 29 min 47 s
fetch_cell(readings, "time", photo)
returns 2 h 55 min 11 s
